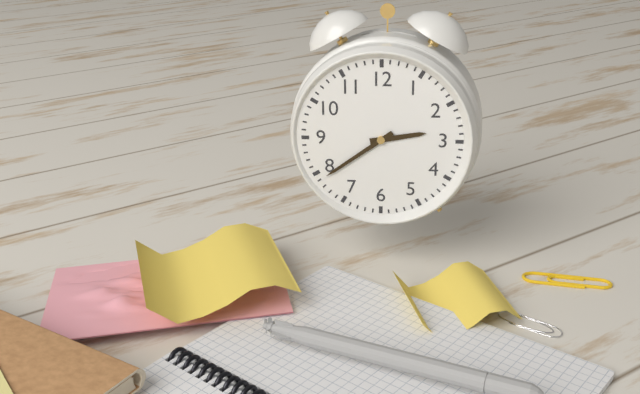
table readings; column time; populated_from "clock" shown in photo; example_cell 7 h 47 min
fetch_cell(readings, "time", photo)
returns 2 h 39 min
